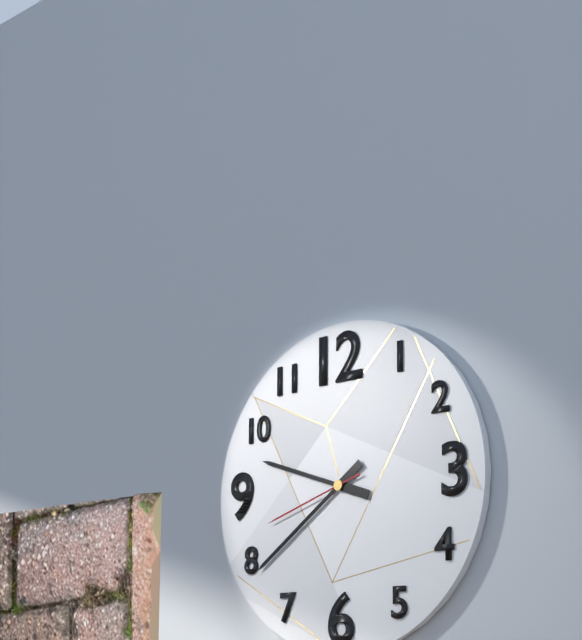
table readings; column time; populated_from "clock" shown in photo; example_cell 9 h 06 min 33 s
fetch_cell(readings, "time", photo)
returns 9 h 39 min 42 s
